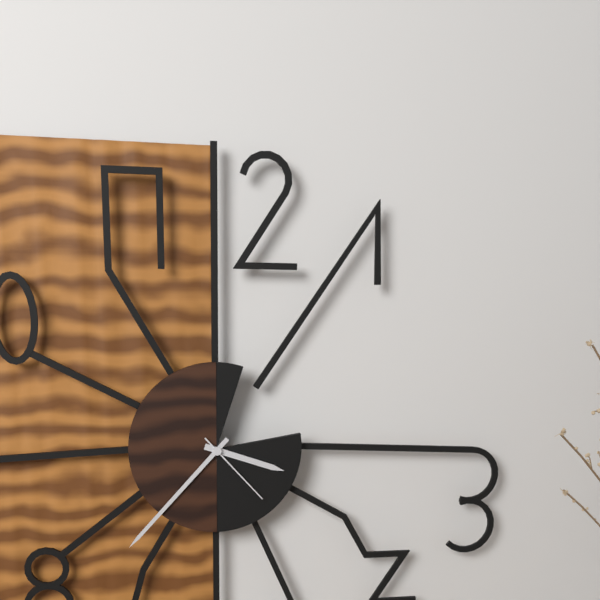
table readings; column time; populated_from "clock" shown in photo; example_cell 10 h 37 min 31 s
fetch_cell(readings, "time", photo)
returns 3 h 37 min 23 s
